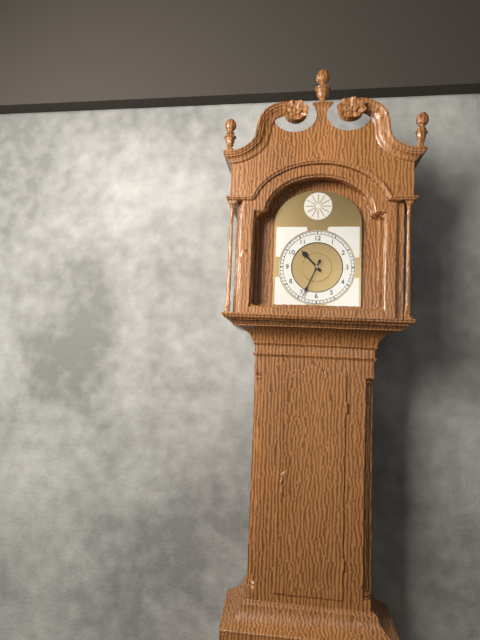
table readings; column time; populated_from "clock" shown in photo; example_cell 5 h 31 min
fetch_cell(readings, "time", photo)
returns 10 h 34 min
